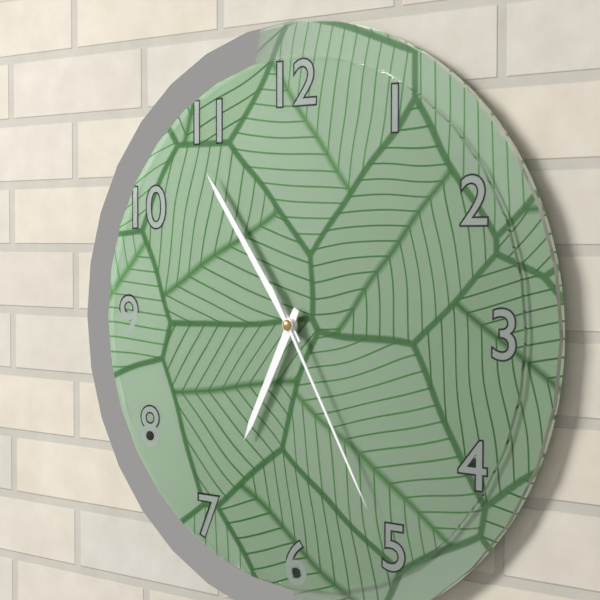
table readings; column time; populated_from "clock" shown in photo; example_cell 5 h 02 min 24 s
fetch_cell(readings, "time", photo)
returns 6 h 54 min 25 s
